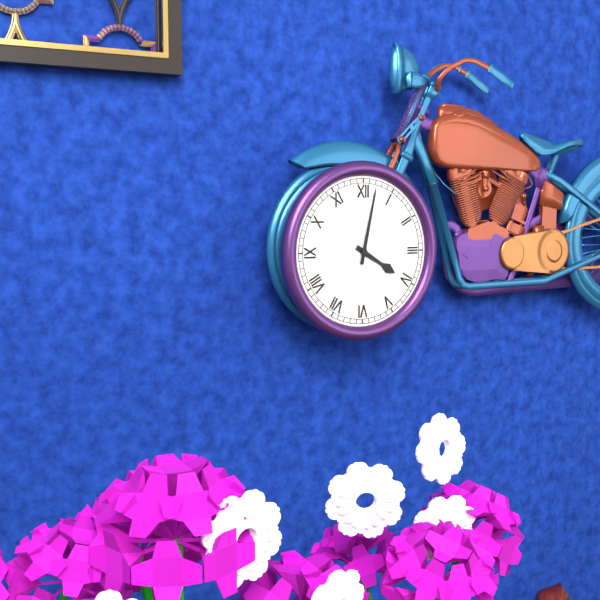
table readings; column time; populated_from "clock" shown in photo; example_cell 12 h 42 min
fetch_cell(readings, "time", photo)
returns 4 h 02 min
